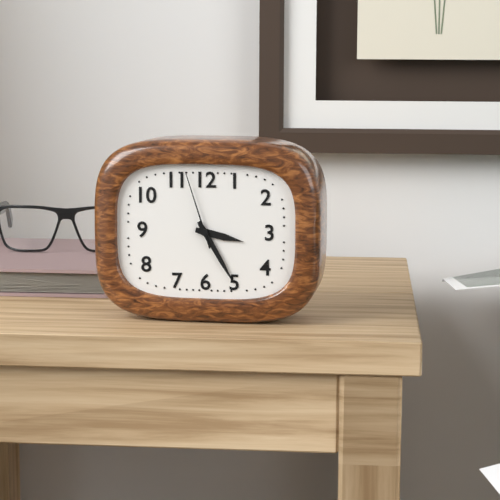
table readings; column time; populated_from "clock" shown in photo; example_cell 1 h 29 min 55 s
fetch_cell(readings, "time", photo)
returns 3 h 25 min 57 s
